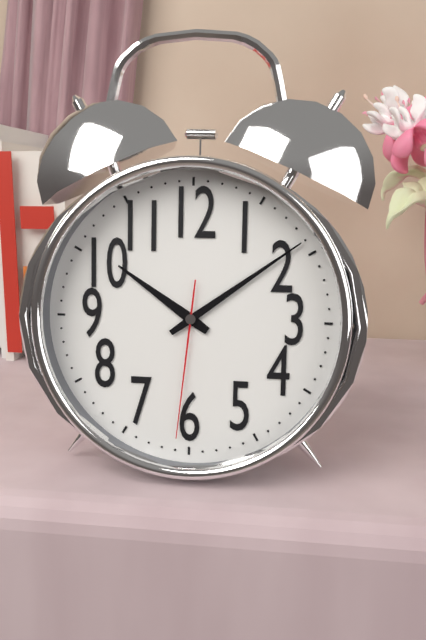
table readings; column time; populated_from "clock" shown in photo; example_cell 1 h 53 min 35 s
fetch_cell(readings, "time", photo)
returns 10 h 09 min 31 s
